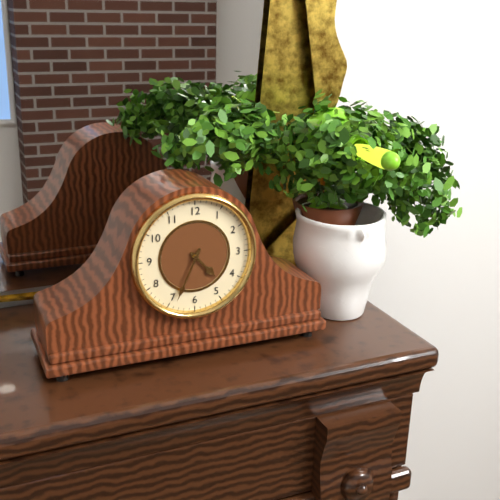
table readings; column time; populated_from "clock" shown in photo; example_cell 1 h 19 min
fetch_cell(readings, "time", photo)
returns 4 h 34 min
